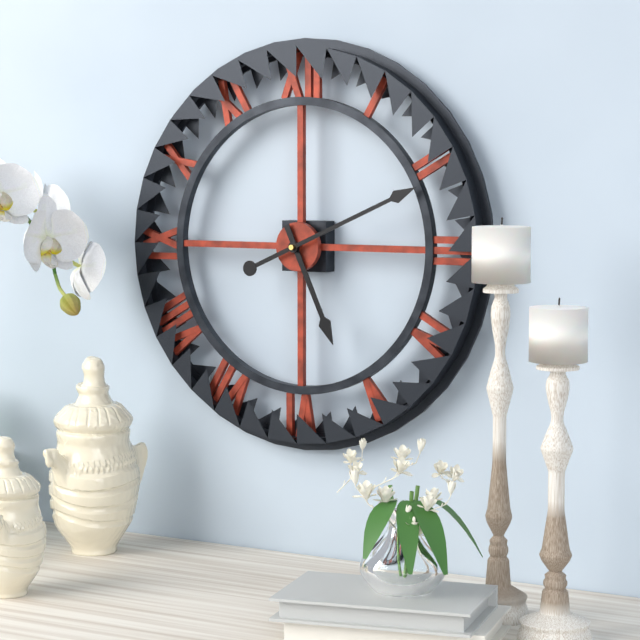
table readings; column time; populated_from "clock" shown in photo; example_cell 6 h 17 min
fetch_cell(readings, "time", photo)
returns 5 h 11 min
